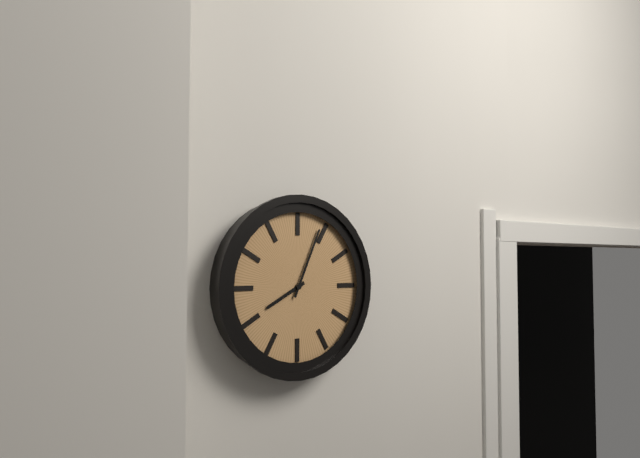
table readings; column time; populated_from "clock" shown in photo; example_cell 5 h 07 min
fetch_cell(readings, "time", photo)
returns 8 h 04 min
